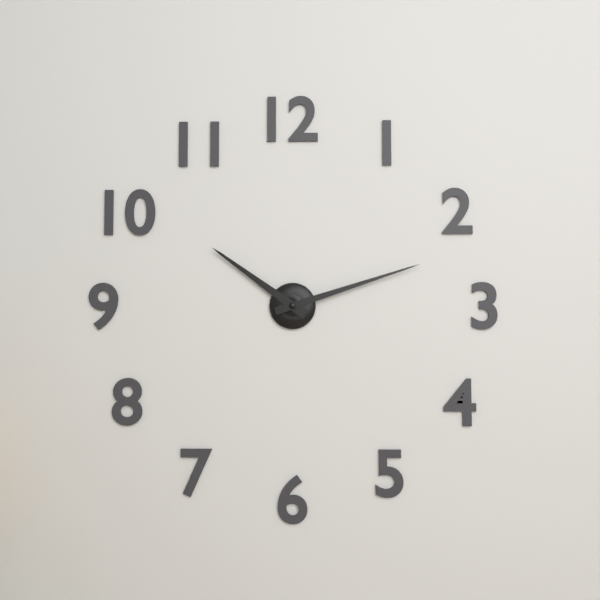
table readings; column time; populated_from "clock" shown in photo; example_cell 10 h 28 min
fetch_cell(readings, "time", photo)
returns 10 h 12 min
